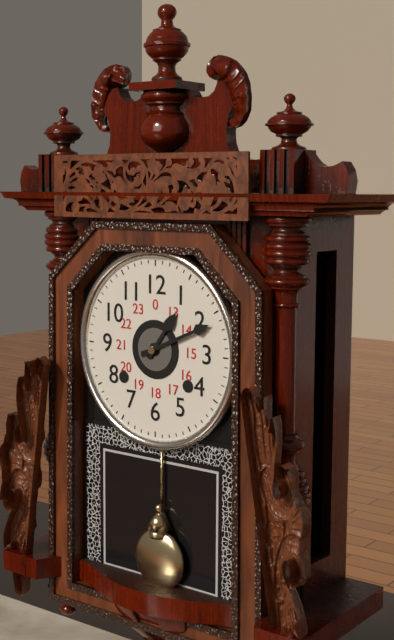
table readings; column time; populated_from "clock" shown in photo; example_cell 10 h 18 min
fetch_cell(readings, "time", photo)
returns 1 h 11 min
